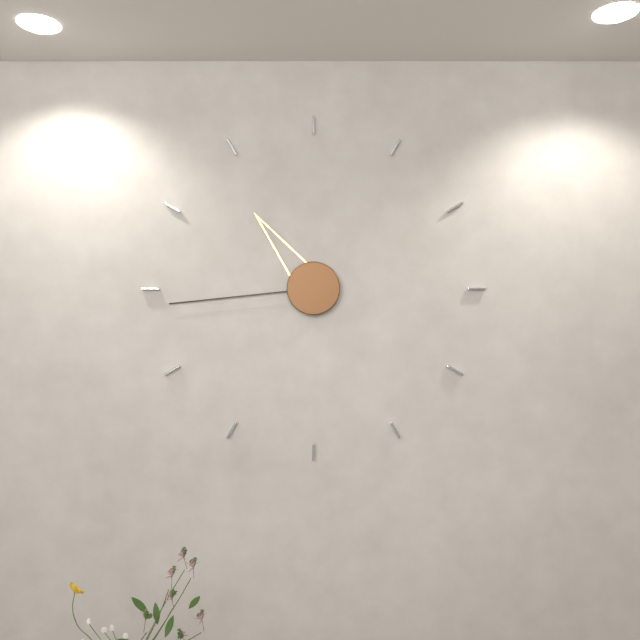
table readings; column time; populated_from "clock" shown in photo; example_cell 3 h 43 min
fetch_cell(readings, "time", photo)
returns 10 h 44 min
